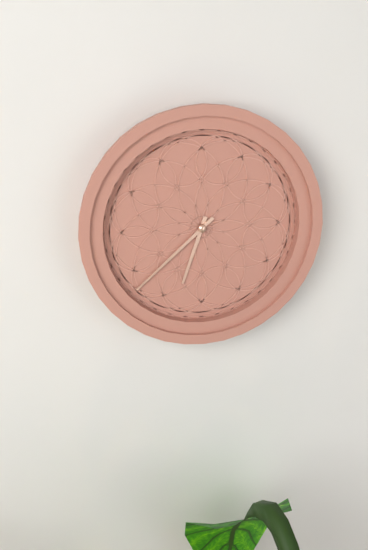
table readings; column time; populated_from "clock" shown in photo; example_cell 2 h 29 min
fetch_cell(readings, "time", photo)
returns 6 h 38 min
